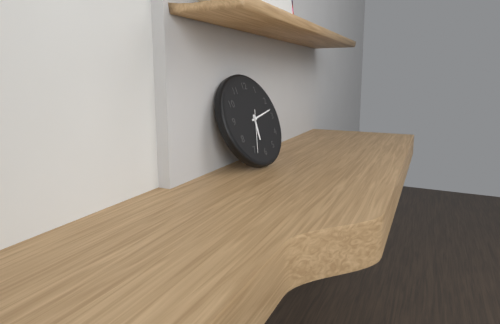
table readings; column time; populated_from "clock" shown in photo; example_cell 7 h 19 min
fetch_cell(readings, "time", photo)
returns 6 h 13 min
